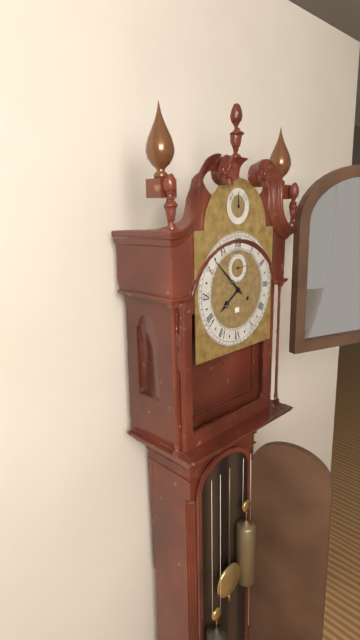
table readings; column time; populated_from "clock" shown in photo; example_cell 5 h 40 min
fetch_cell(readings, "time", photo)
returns 7 h 52 min
